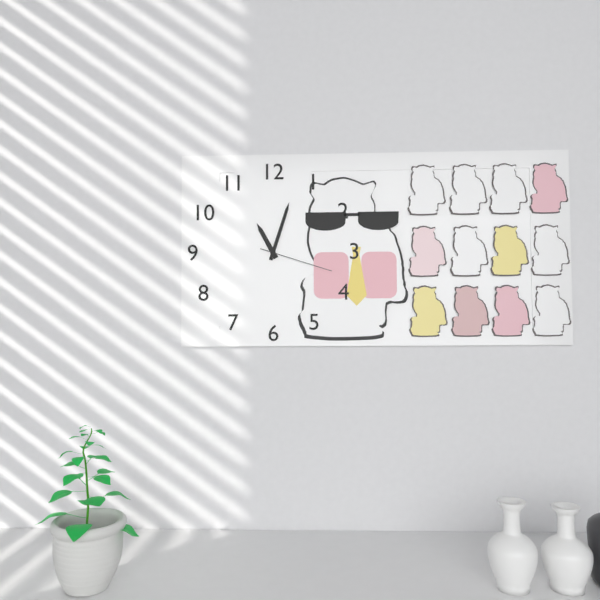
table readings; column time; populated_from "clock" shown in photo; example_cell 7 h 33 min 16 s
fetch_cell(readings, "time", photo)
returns 11 h 03 min 18 s
